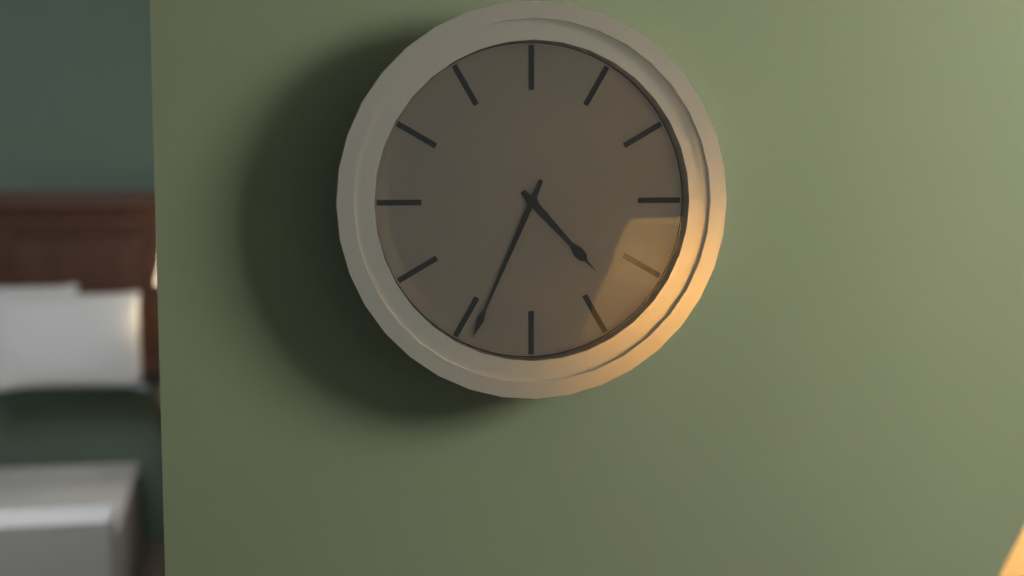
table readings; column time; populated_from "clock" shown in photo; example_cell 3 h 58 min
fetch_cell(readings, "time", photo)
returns 4 h 34 min
